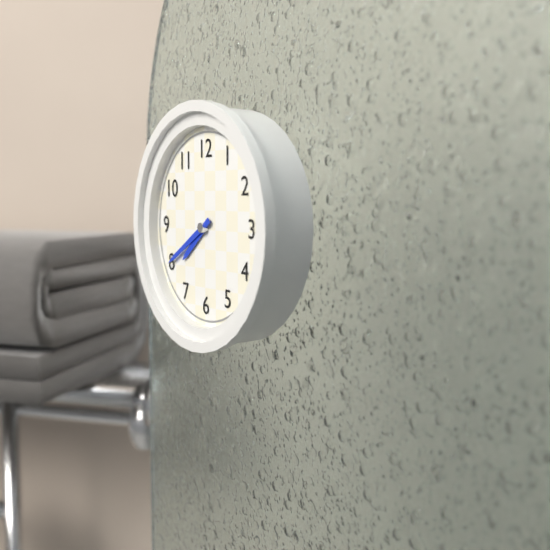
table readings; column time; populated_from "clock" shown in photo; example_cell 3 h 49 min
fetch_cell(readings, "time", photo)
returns 7 h 40 min
